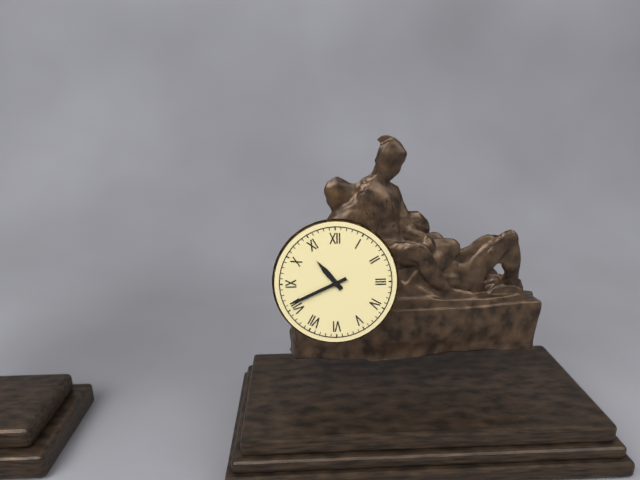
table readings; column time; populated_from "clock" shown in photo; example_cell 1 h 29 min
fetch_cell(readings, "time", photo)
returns 10 h 41 min
